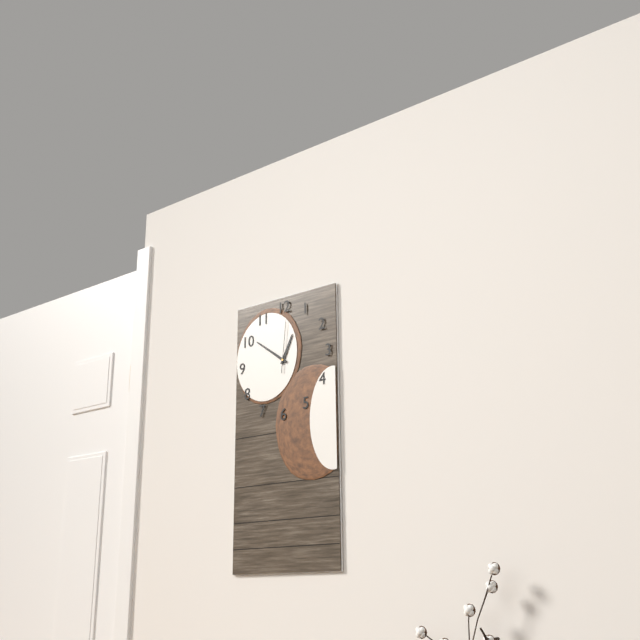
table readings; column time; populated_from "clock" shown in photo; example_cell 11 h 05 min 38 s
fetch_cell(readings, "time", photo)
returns 12 h 51 min 01 s
